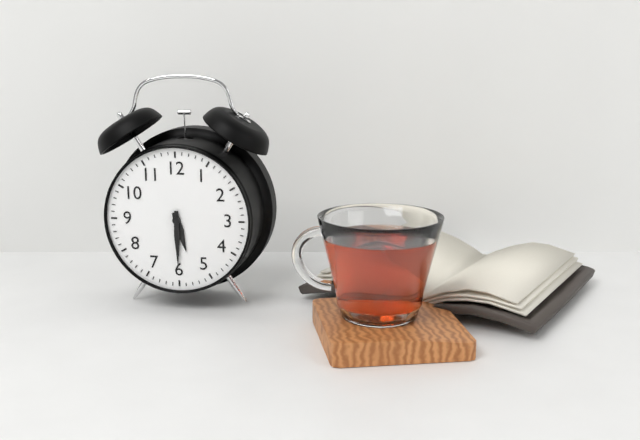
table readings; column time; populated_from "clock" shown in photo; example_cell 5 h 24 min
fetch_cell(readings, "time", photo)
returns 5 h 30 min
